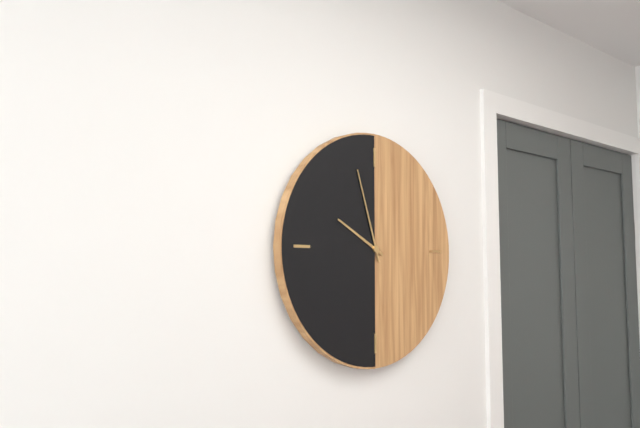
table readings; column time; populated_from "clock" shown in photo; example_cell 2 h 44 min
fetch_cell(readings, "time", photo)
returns 9 h 57 min
